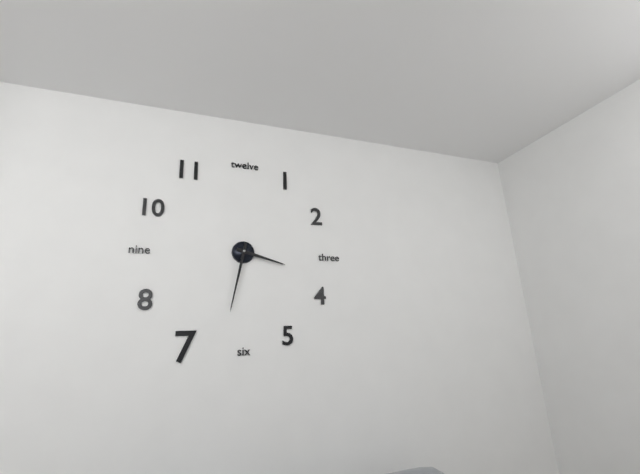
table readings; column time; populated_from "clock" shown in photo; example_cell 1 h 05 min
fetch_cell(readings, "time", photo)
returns 3 h 32 min
